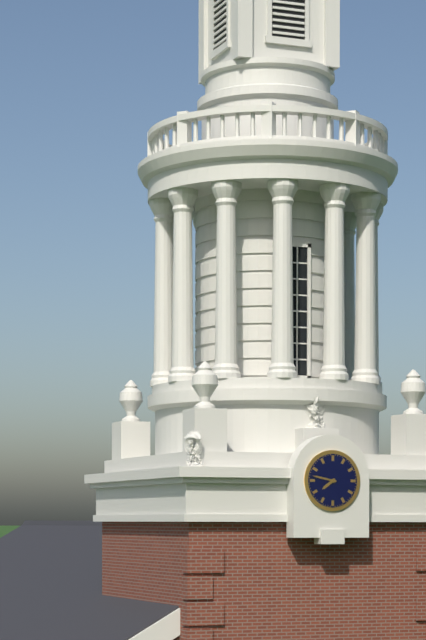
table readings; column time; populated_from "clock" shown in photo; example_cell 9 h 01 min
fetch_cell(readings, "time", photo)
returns 7 h 47 min
